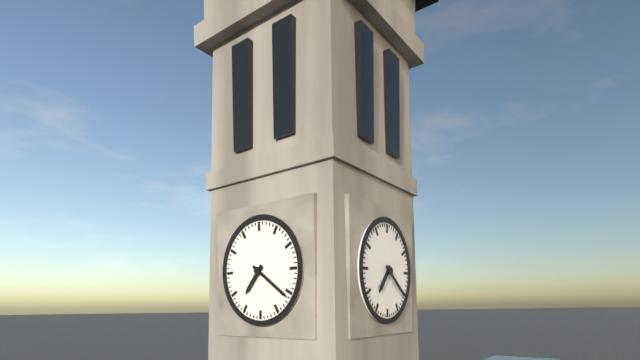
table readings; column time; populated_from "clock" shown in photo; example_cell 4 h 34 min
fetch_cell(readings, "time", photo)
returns 7 h 21 min
